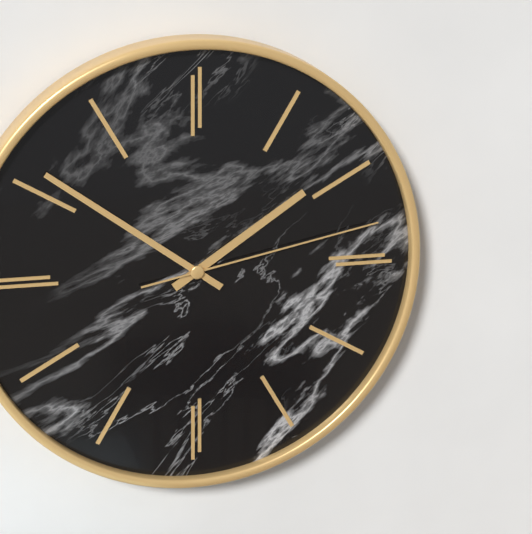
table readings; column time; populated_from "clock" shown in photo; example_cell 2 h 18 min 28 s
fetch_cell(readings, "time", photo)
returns 1 h 51 min 13 s
